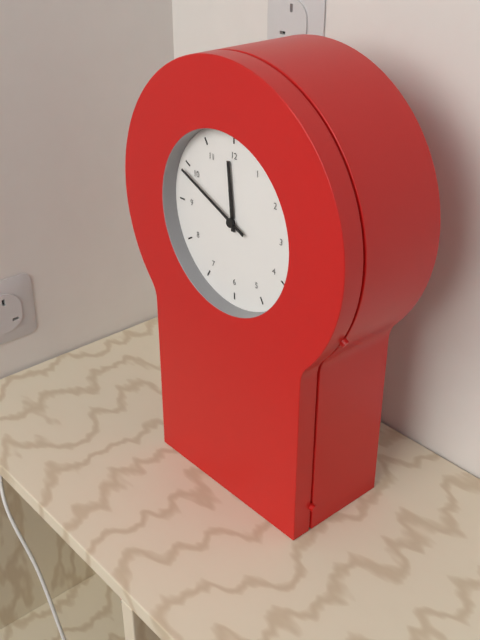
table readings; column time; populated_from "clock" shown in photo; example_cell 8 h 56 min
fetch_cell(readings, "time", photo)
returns 11 h 49 min
